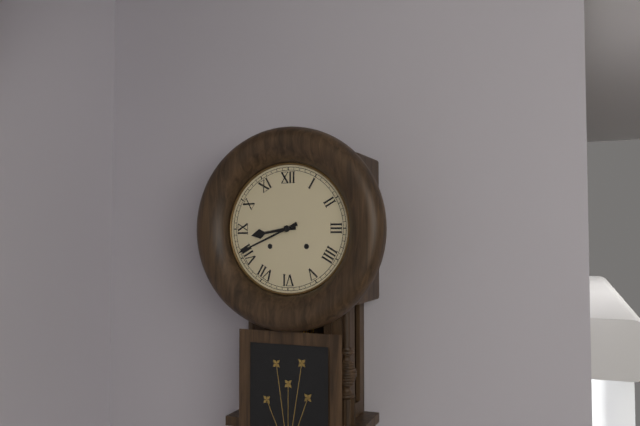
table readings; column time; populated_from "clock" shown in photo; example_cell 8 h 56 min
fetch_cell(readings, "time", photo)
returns 8 h 41 min
